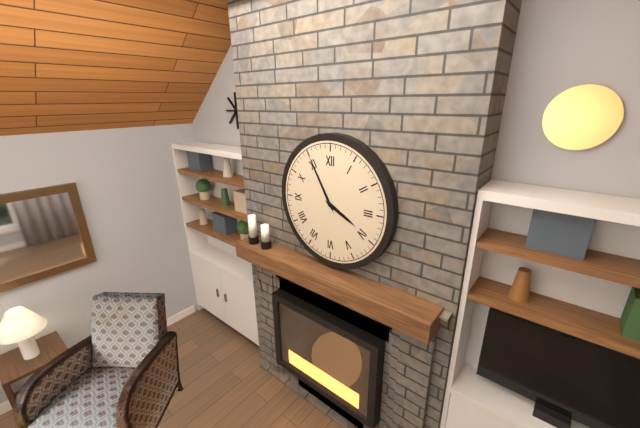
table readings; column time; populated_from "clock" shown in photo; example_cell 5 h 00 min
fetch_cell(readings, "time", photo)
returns 3 h 55 min
